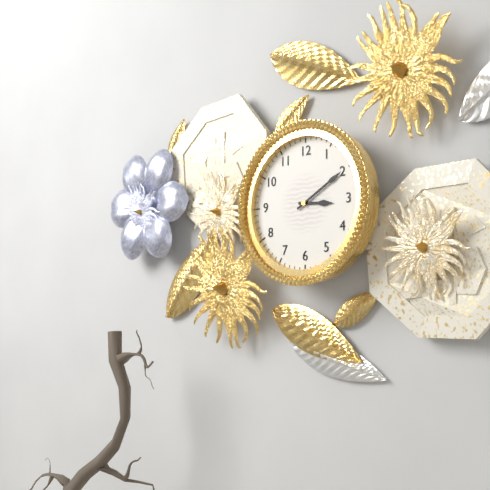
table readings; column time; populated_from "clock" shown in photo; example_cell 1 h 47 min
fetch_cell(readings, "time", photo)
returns 3 h 10 min
